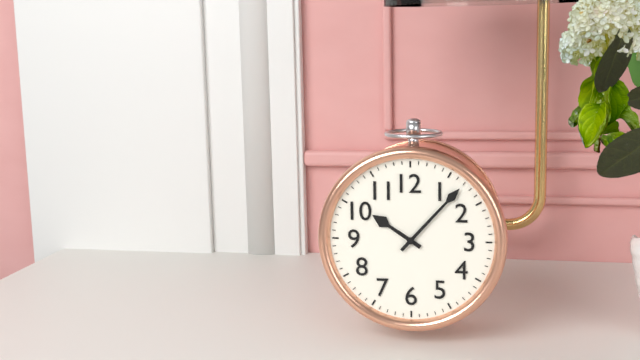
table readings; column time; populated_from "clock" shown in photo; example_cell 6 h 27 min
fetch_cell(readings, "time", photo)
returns 10 h 07 min
